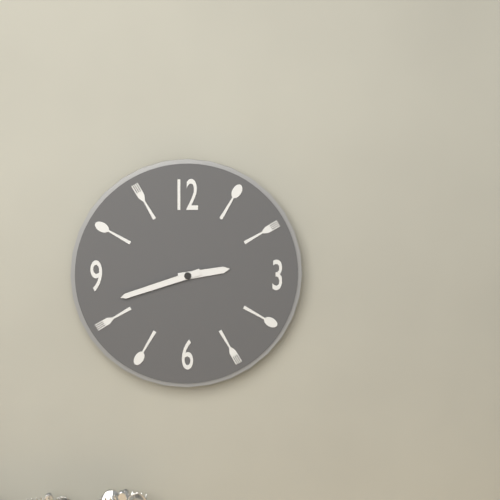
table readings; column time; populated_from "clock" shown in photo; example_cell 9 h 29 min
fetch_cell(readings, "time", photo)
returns 2 h 42 min
